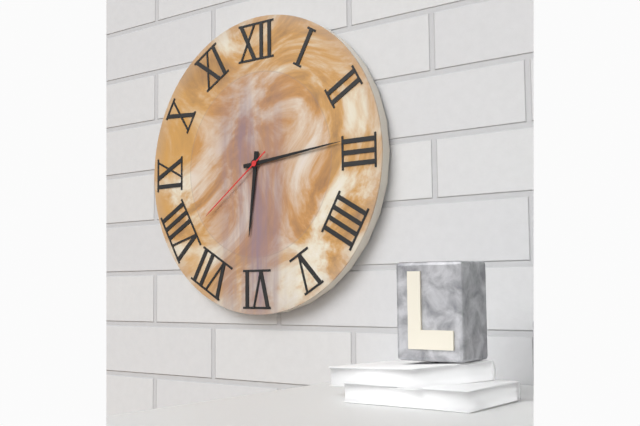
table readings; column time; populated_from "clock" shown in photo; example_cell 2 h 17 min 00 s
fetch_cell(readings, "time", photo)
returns 6 h 14 min 39 s
